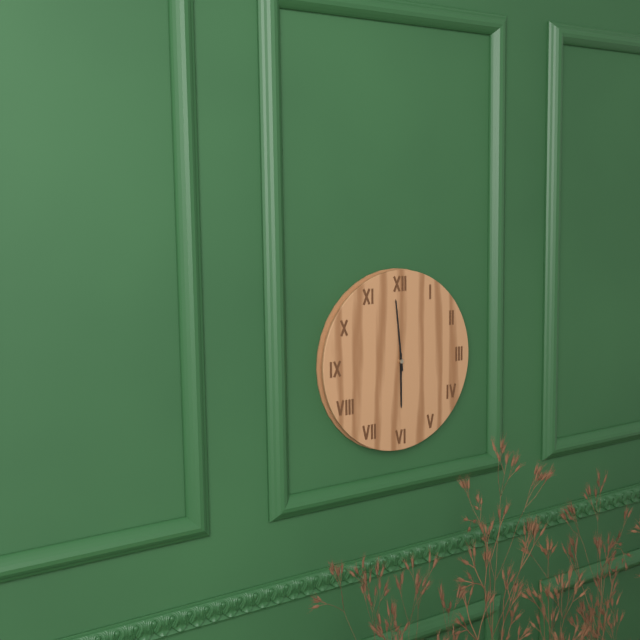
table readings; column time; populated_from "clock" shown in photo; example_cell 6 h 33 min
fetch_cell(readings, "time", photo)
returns 5 h 59 min
